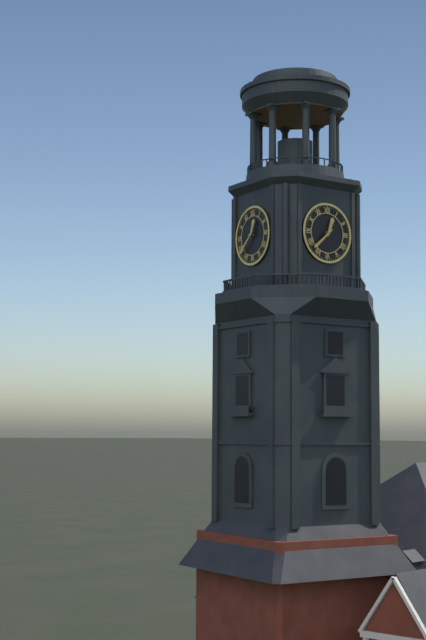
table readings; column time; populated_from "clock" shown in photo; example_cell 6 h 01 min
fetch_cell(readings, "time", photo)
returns 12 h 38 min
